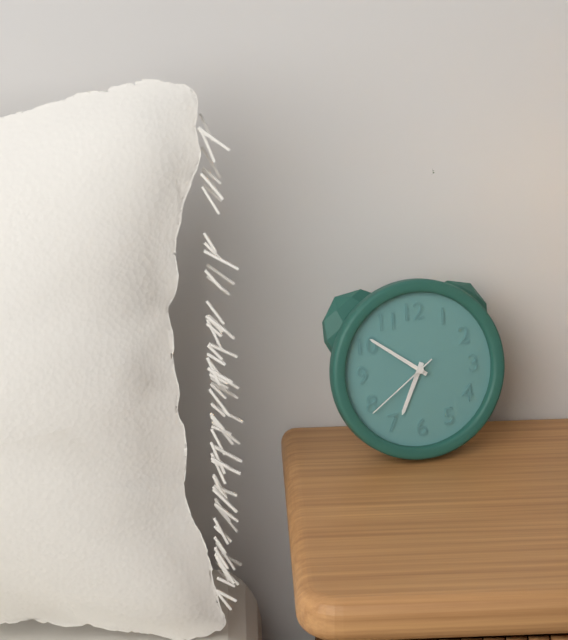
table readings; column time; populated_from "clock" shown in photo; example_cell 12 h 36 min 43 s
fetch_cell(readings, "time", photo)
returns 6 h 51 min 39 s
